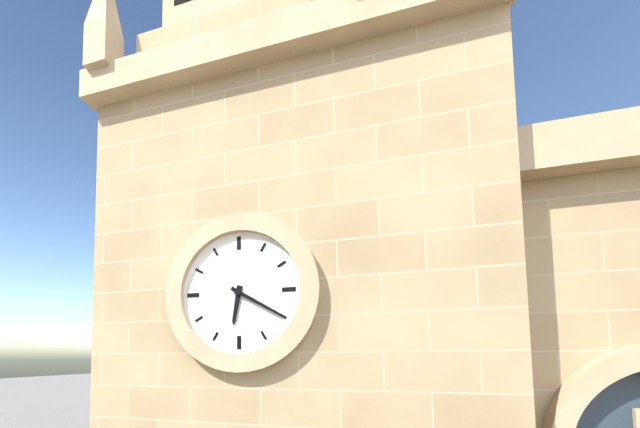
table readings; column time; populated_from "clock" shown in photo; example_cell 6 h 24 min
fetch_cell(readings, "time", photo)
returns 6 h 20 min
